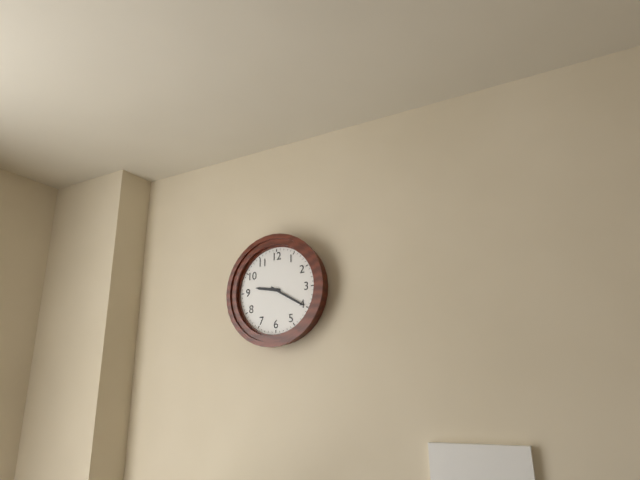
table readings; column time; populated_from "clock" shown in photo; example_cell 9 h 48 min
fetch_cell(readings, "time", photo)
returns 9 h 20 min
